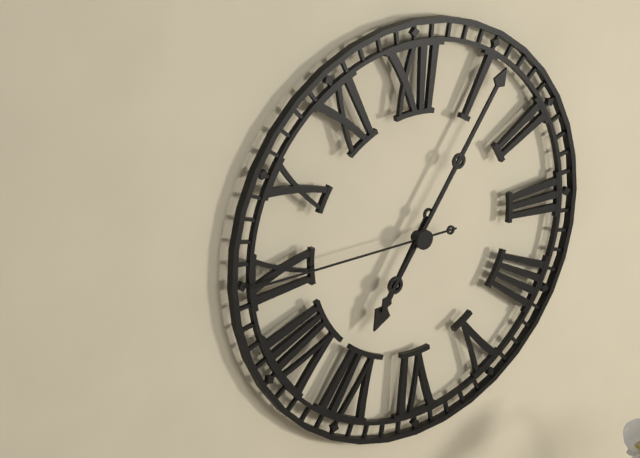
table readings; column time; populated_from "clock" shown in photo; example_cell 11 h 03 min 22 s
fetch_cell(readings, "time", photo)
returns 7 h 06 min 45 s
